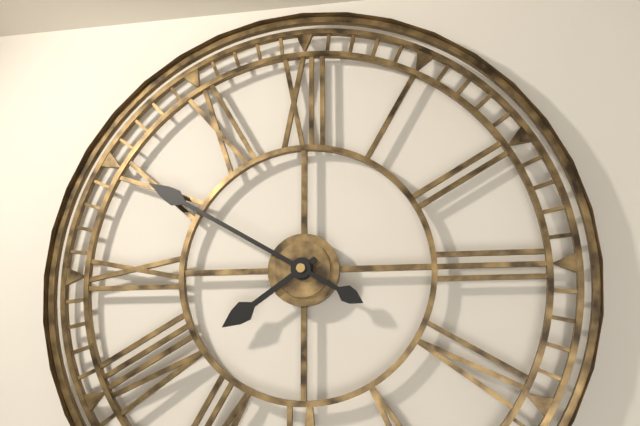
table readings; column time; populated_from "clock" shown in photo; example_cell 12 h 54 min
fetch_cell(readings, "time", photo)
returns 7 h 50 min
